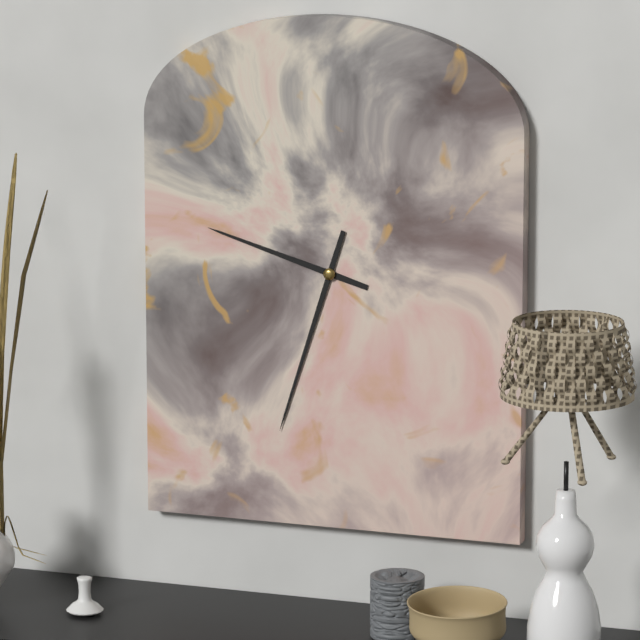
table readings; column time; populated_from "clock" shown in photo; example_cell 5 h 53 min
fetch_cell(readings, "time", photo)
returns 9 h 33 min
